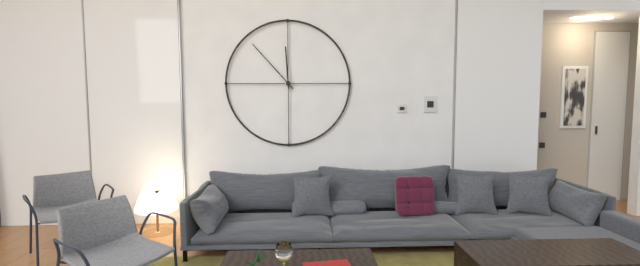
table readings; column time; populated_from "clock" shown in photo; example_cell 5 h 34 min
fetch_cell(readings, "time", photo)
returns 11 h 53 min
